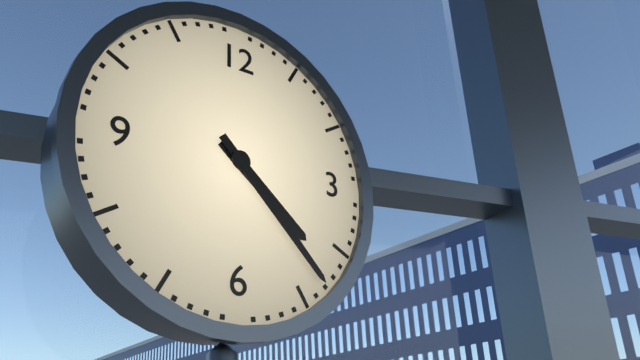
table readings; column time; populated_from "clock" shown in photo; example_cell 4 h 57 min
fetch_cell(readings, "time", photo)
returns 4 h 23 min
